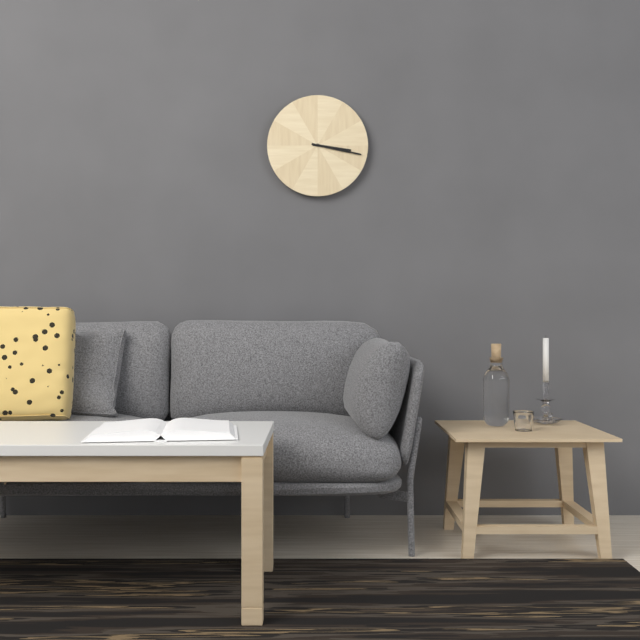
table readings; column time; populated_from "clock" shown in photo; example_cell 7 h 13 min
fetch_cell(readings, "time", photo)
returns 3 h 17 min
